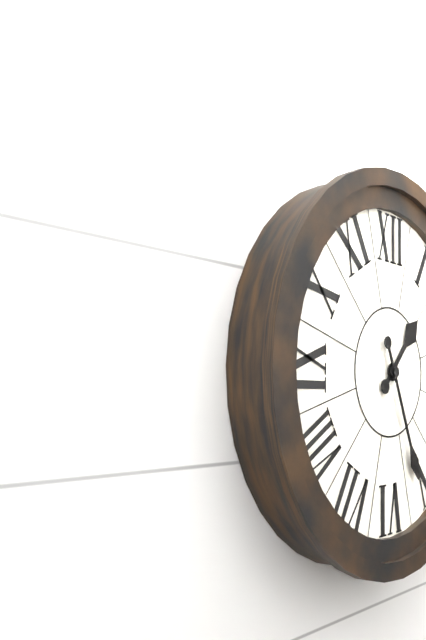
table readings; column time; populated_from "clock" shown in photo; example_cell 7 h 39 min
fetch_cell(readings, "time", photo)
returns 1 h 26 min
